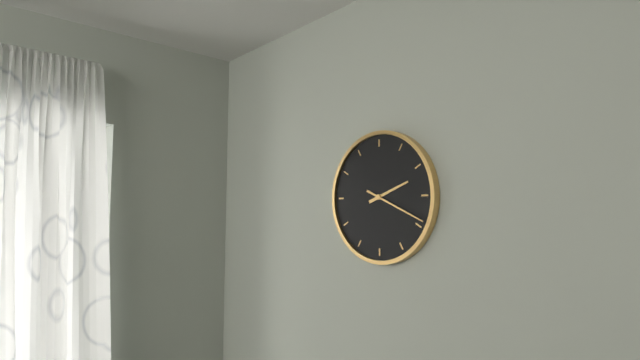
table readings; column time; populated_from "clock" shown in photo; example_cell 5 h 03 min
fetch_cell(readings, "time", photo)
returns 2 h 19 min
